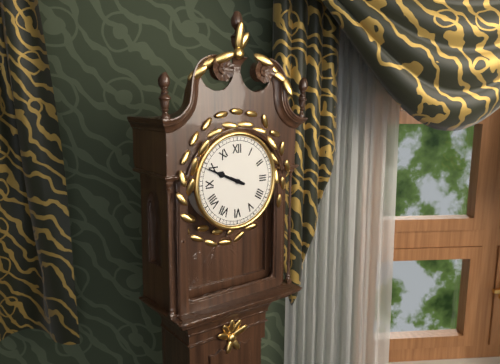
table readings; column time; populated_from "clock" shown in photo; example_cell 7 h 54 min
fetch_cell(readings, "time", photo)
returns 9 h 49 min
